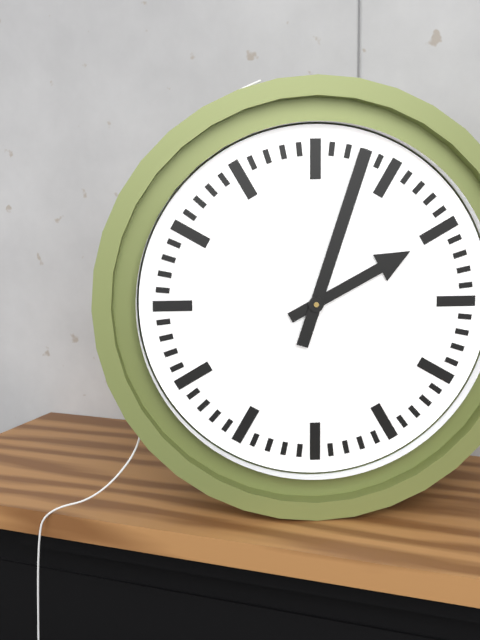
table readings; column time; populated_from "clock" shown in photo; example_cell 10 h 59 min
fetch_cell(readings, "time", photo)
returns 2 h 03 min
